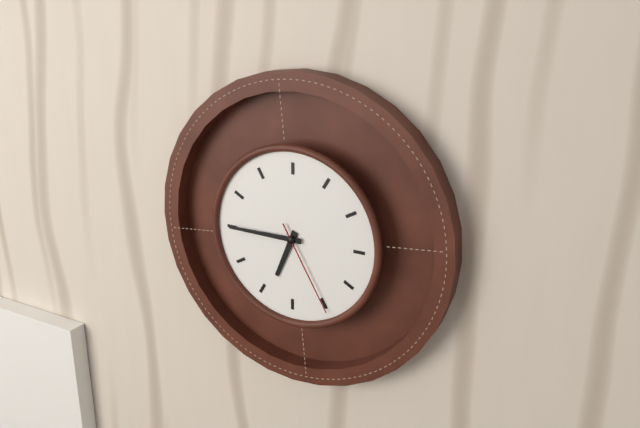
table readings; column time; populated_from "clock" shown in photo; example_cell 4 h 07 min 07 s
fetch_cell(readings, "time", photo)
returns 6 h 45 min 25 s
